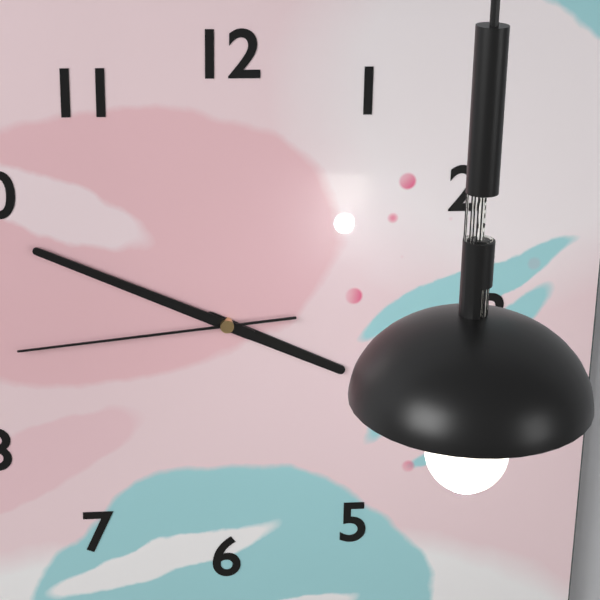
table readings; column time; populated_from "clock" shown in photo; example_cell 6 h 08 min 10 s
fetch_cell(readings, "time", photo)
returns 3 h 49 min 44 s
